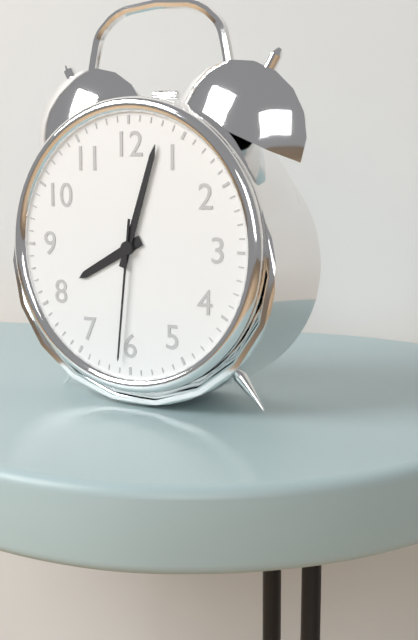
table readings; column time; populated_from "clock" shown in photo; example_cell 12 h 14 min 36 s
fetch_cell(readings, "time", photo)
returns 8 h 03 min 31 s
